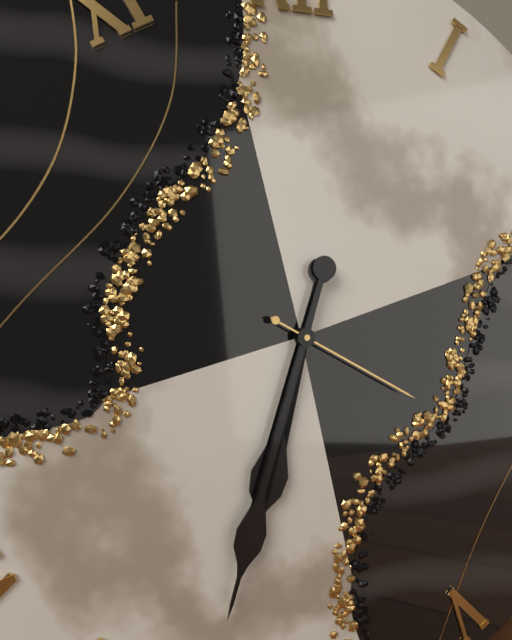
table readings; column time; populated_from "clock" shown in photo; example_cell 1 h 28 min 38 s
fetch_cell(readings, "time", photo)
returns 6 h 33 min 20 s
